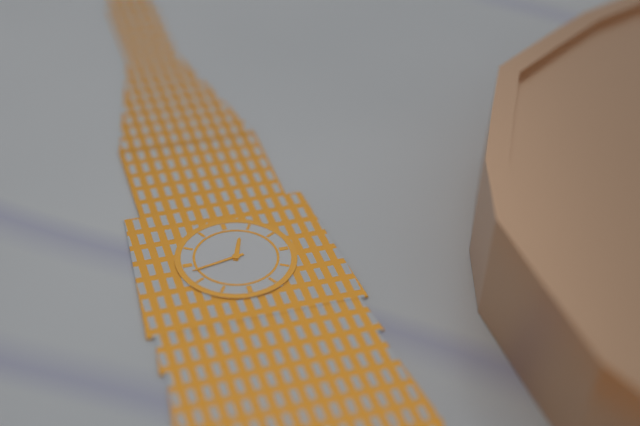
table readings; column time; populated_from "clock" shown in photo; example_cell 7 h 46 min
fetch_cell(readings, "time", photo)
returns 12 h 43 min
